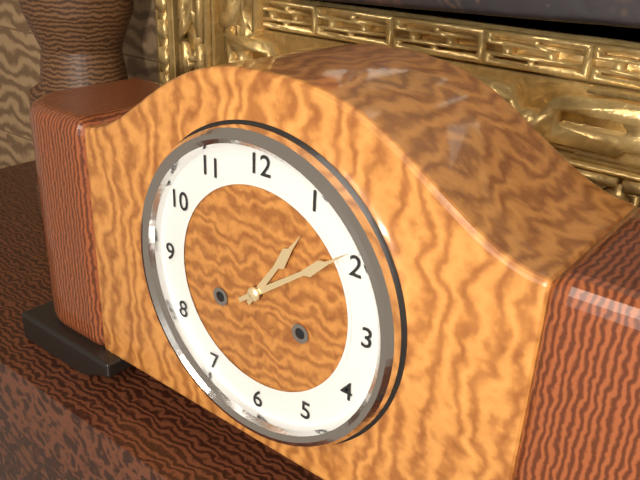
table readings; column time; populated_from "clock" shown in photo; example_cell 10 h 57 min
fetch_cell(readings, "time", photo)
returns 1 h 09 min
